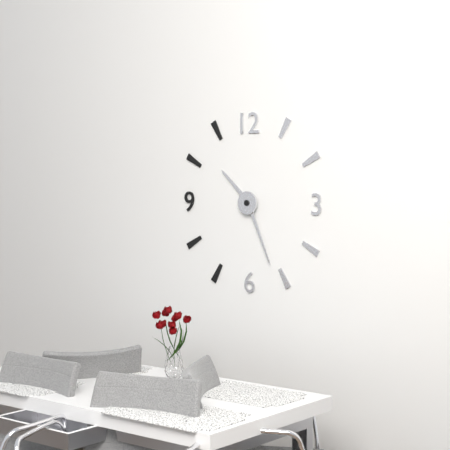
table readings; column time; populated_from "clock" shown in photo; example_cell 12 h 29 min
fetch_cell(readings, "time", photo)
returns 10 h 26 min
